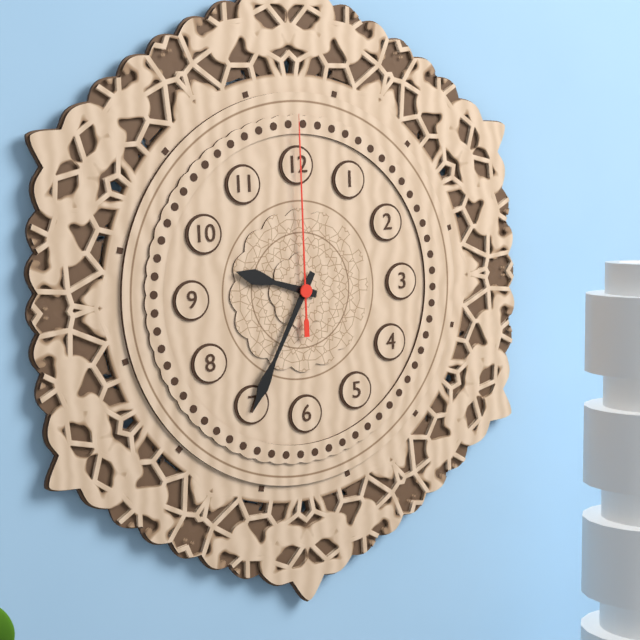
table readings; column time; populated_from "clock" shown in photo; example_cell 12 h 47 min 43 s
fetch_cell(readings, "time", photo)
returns 9 h 35 min 00 s
